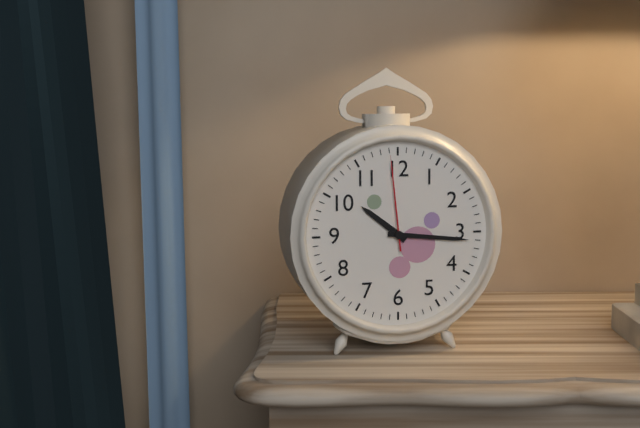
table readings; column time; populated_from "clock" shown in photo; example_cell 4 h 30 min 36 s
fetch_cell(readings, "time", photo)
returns 10 h 16 min 59 s
